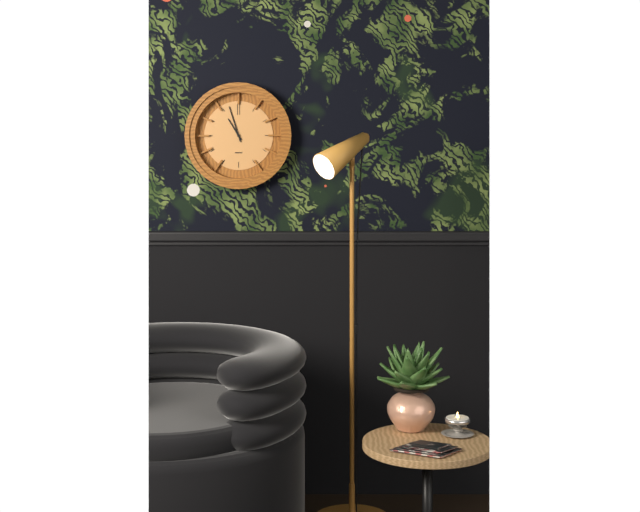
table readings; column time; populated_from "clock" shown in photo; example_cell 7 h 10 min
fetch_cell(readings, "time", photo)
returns 10 h 57 min
